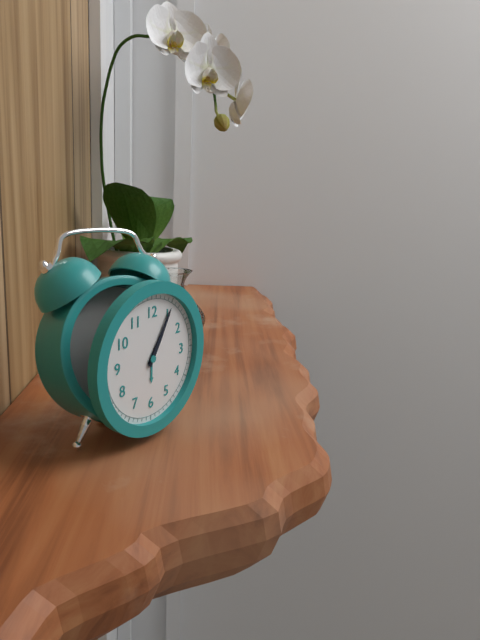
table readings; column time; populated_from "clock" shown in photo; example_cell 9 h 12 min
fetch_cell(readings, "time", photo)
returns 1 h 05 min
